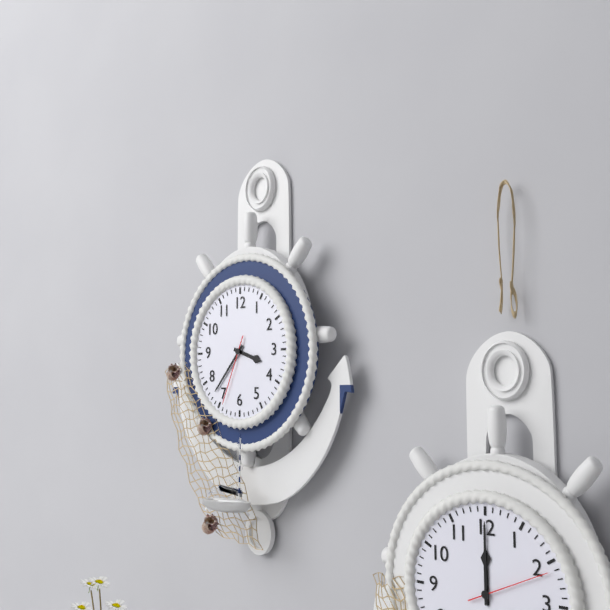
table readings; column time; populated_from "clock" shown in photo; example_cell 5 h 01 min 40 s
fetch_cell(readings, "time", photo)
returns 3 h 37 min 34 s
